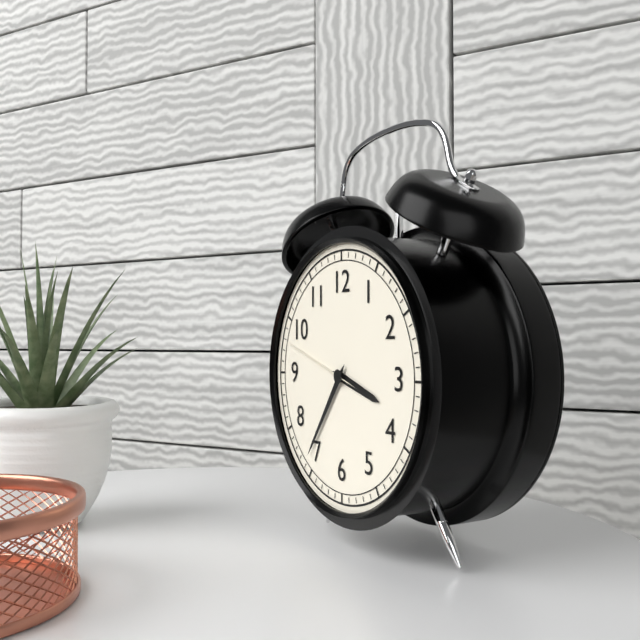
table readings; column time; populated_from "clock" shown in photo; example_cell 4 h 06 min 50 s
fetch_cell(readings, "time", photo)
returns 3 h 36 min 48 s
